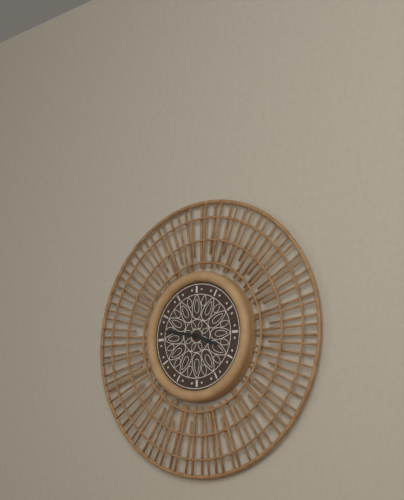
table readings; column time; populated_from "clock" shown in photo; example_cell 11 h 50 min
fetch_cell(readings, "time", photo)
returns 3 h 47 min
